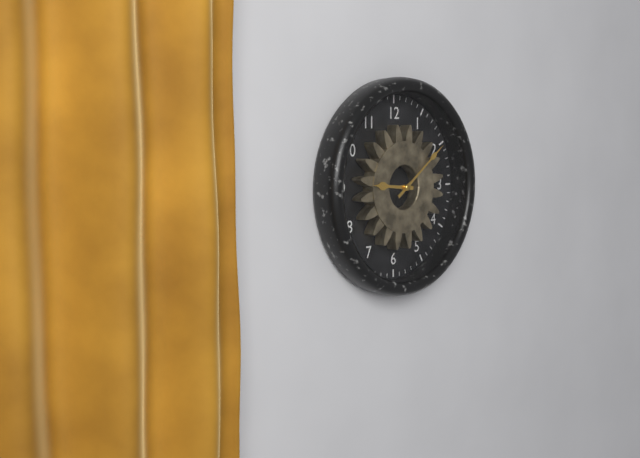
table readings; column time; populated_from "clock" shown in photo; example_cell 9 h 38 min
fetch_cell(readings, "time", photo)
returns 9 h 09 min
